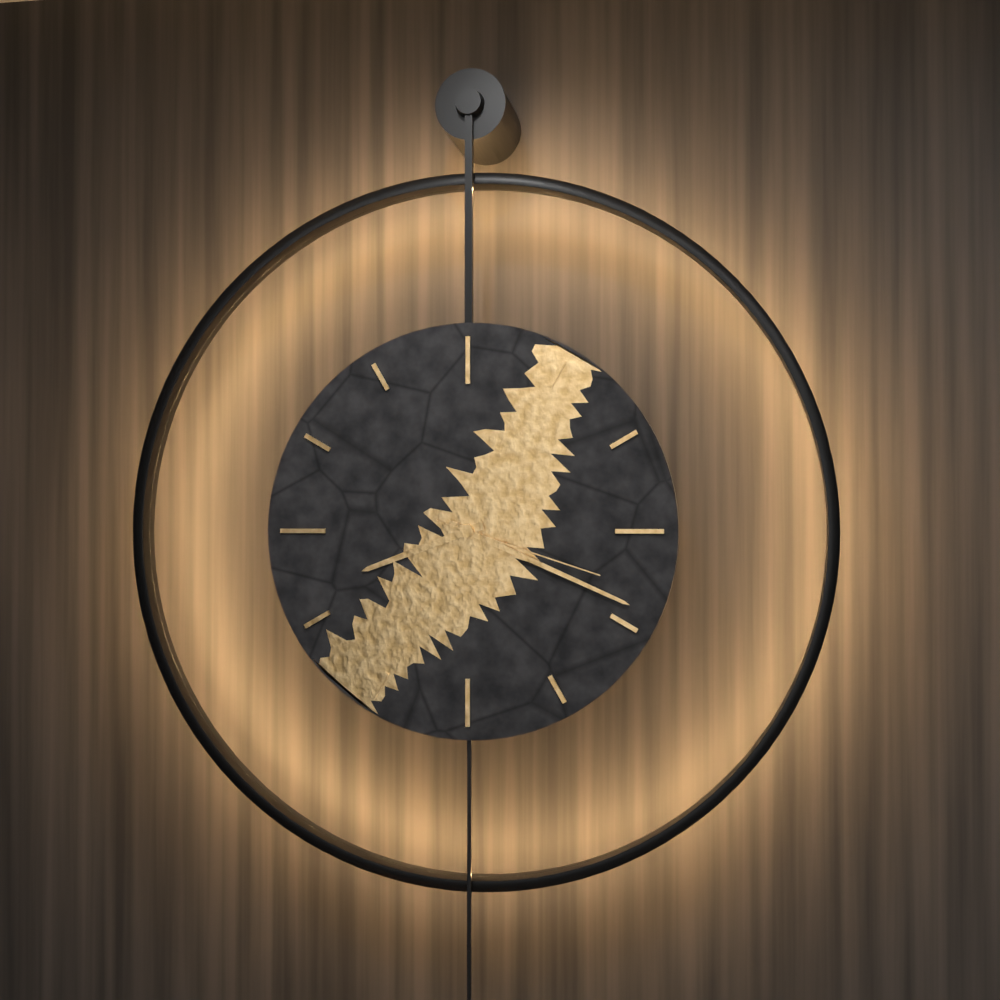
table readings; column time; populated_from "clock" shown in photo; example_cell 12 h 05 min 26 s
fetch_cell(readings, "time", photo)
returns 8 h 19 min 18 s
